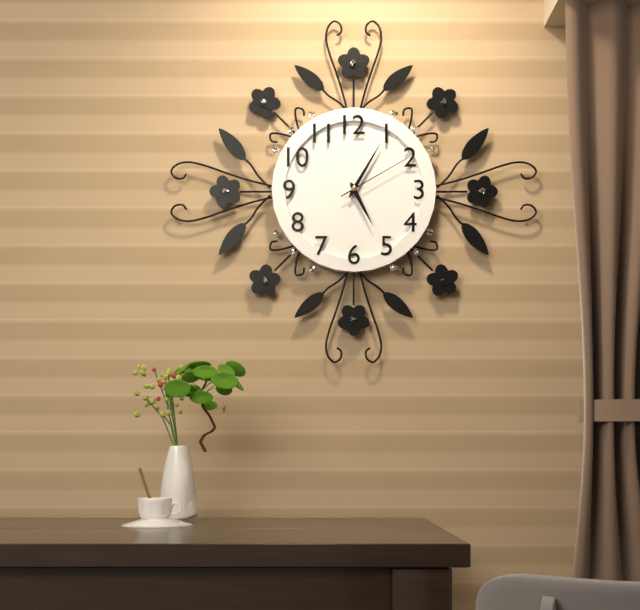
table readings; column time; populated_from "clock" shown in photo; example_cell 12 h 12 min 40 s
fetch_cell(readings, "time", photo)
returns 5 h 05 min 10 s
